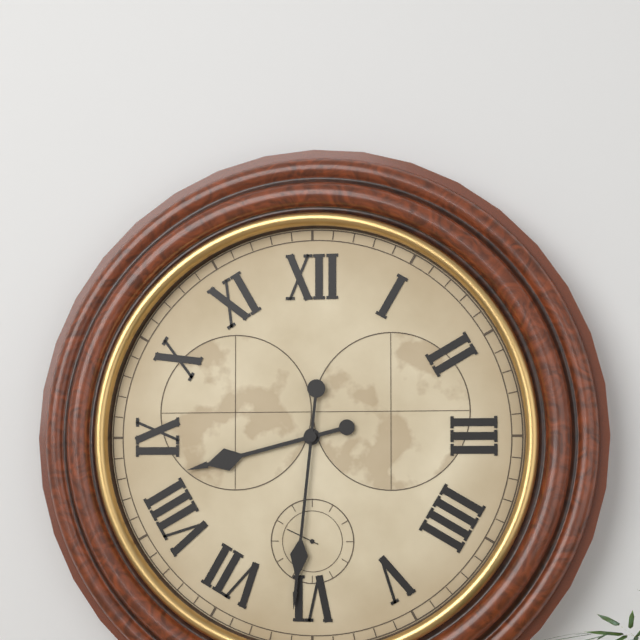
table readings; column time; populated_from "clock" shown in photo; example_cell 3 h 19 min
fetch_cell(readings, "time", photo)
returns 8 h 31 min
